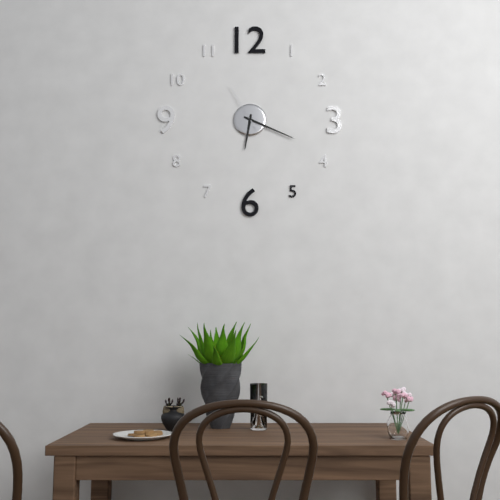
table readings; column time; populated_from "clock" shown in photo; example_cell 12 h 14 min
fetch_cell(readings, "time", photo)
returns 6 h 19 min
